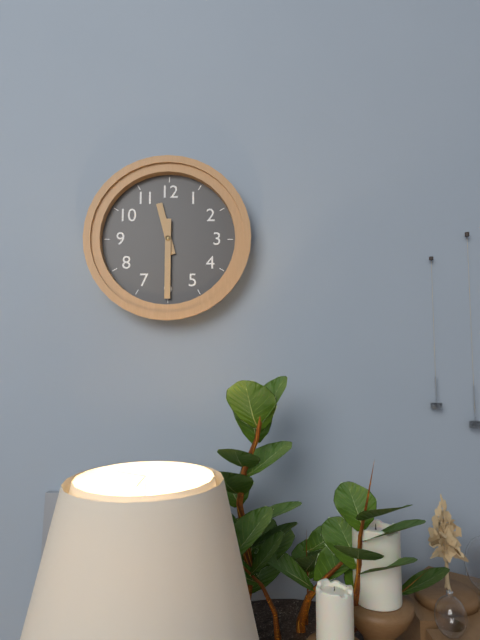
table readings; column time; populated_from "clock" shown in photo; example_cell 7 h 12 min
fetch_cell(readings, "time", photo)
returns 11 h 30 min
